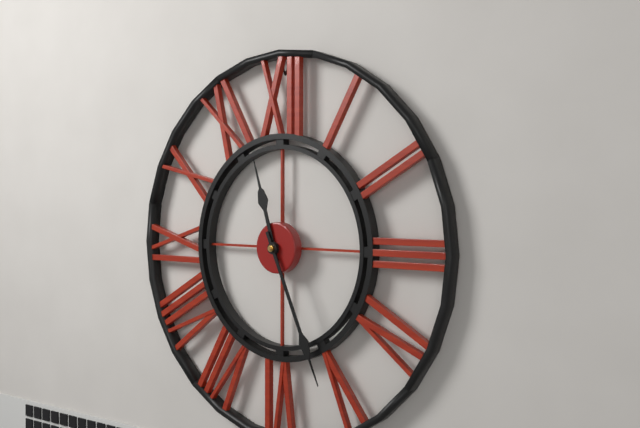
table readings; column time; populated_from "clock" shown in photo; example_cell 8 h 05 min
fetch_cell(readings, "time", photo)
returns 11 h 26 min
